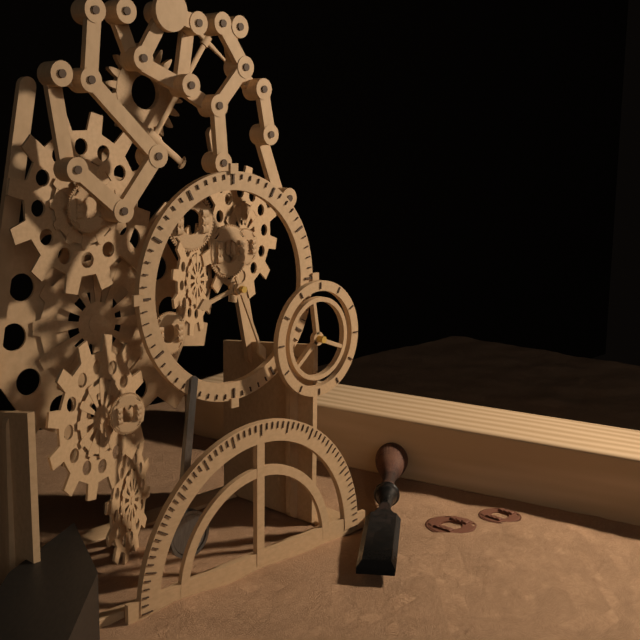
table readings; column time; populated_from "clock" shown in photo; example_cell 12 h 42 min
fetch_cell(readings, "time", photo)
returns 8 h 26 min
